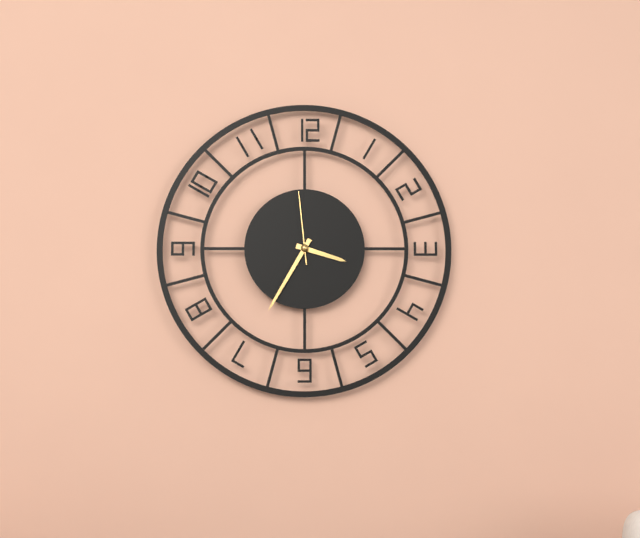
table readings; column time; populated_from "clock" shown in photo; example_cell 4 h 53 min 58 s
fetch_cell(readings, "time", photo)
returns 3 h 35 min 59 s
